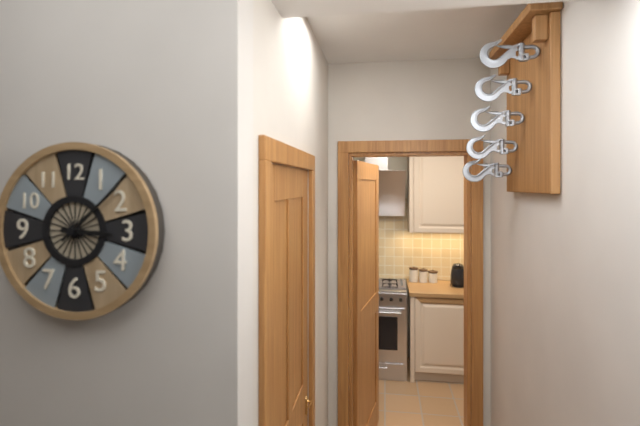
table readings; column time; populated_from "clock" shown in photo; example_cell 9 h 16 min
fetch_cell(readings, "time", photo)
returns 3 h 08 min
